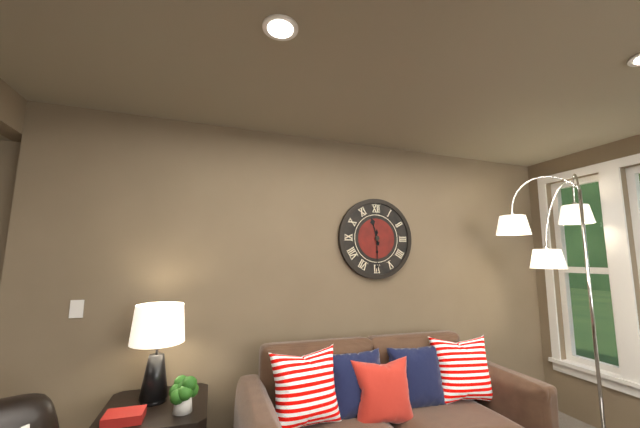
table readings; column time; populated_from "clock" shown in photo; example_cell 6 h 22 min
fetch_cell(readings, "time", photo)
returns 11 h 30 min
